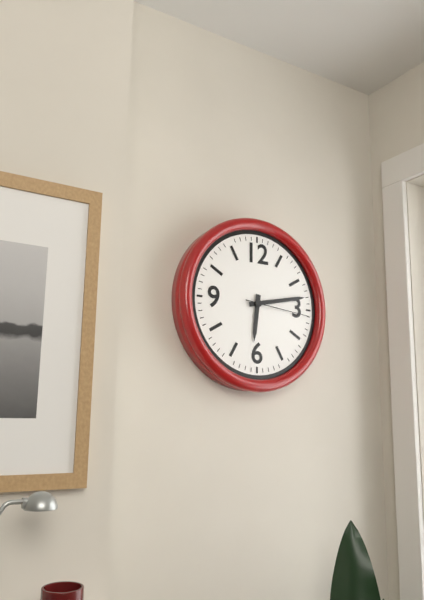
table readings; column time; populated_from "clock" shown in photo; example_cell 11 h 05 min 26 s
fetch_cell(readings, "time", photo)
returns 6 h 13 min 16 s
